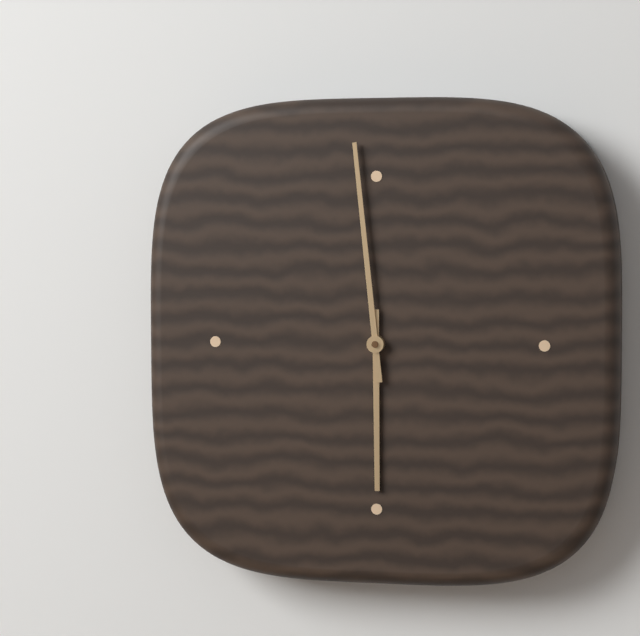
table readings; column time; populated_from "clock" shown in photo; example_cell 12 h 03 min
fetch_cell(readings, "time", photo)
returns 5 h 59 min
